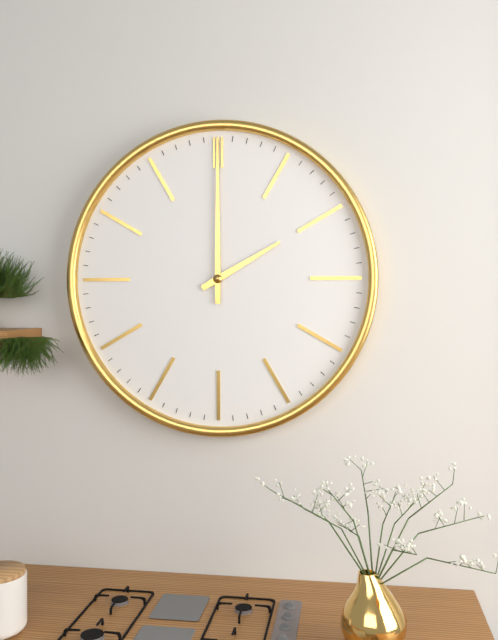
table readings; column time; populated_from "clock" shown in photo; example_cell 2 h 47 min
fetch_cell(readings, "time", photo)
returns 2 h 00 min
